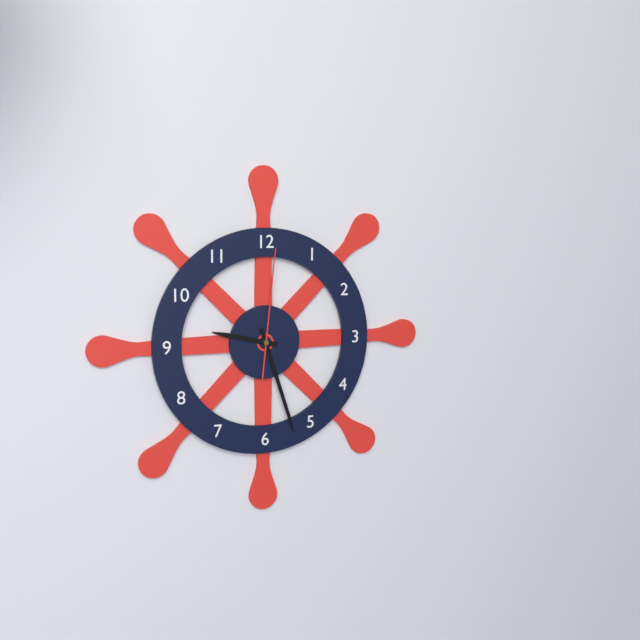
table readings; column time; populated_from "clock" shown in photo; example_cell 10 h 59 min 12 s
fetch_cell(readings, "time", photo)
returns 9 h 27 min 01 s
